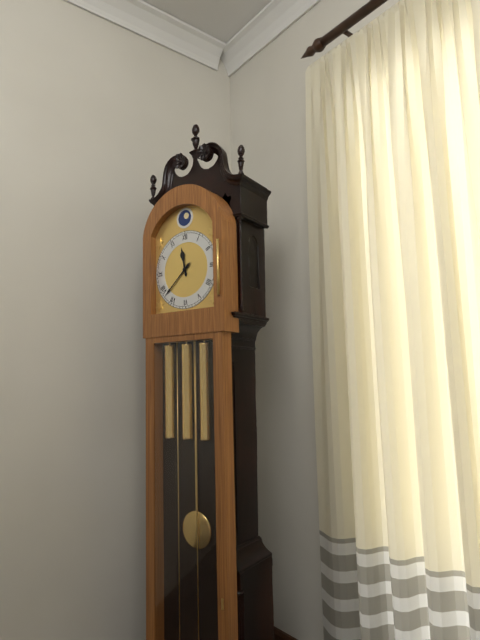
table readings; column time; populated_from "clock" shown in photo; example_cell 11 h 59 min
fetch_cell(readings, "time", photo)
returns 11 h 38 min
